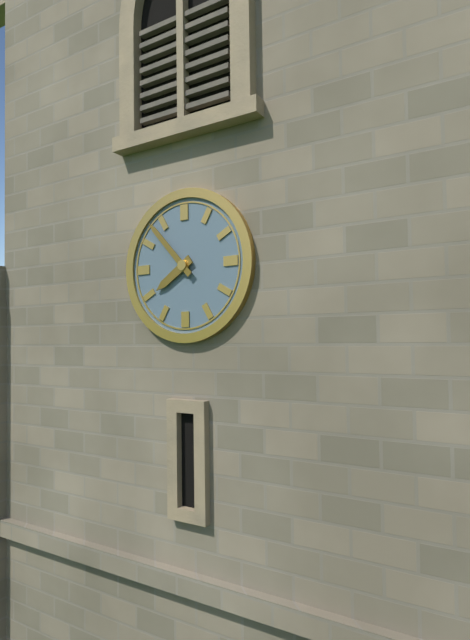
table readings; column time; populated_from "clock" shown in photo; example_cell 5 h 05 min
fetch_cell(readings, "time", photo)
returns 7 h 53 min
